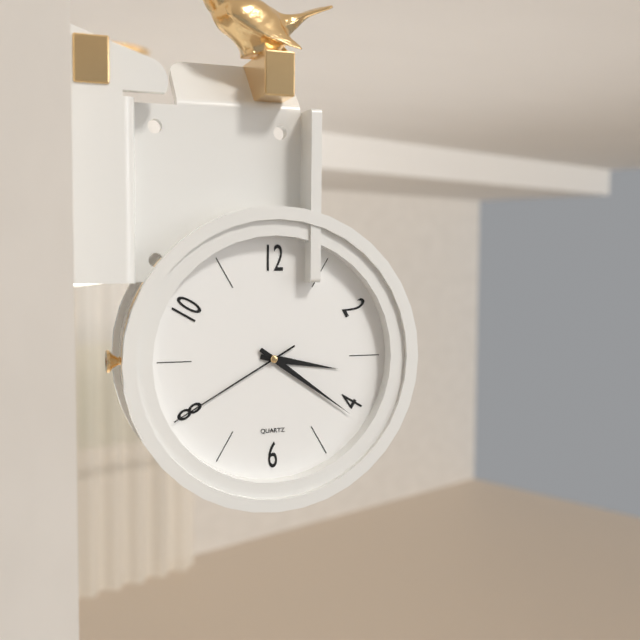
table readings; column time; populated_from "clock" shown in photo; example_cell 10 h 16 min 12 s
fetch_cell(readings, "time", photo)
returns 3 h 21 min 40 s
